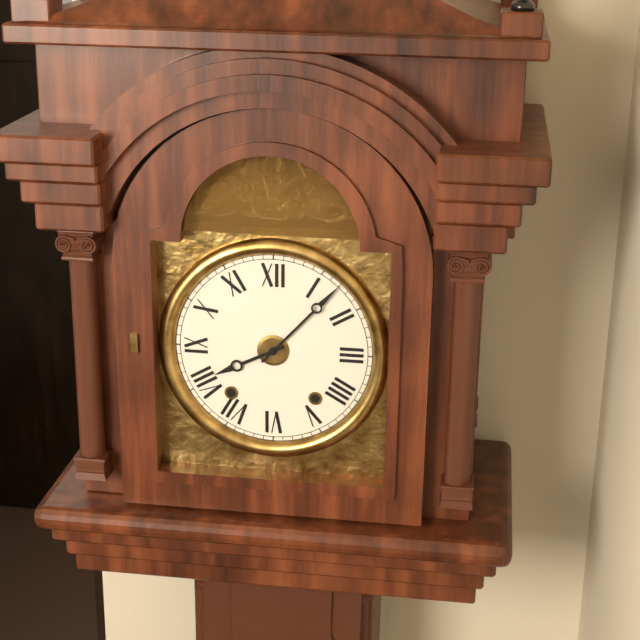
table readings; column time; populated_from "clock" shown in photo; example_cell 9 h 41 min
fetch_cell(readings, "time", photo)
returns 8 h 07 min
